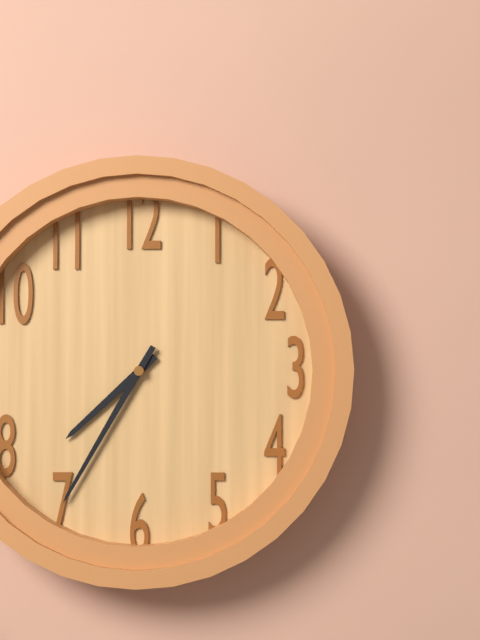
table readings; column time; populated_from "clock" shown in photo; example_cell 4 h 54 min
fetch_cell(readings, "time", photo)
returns 7 h 35 min
